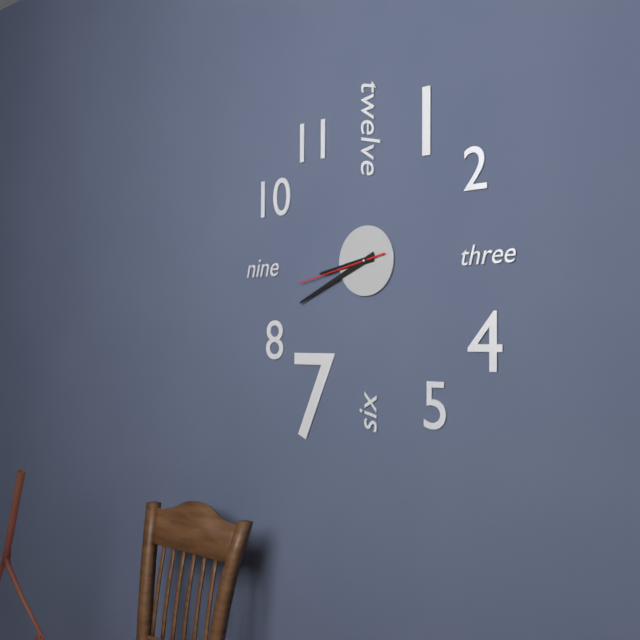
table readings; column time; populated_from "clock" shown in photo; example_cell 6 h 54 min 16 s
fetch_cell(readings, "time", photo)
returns 8 h 41 min 43 s
